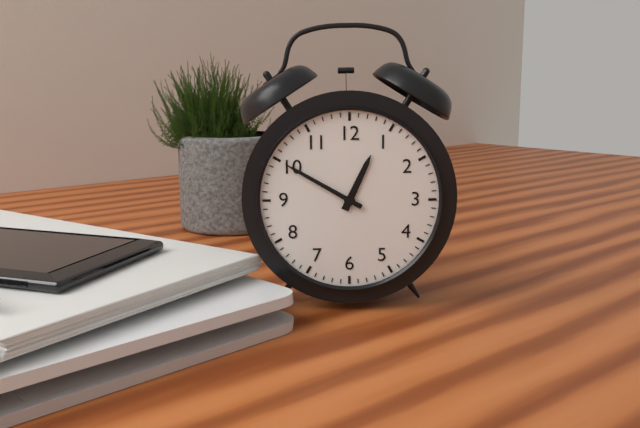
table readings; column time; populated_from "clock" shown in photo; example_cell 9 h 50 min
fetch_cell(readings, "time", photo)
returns 12 h 50 min
